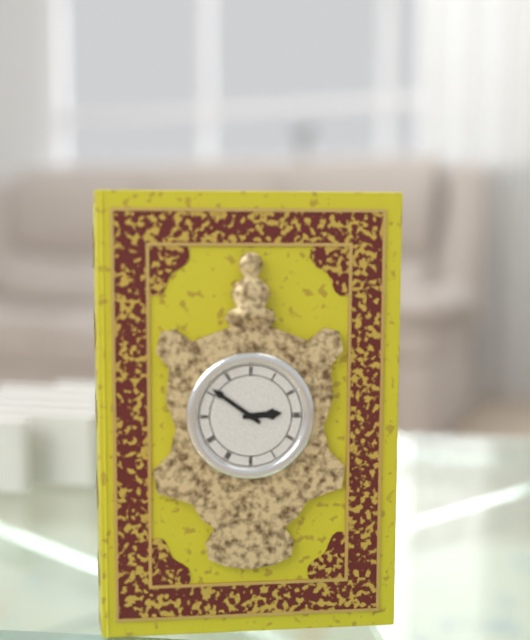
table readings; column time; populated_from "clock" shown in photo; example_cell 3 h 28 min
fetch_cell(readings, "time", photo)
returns 2 h 51 min
